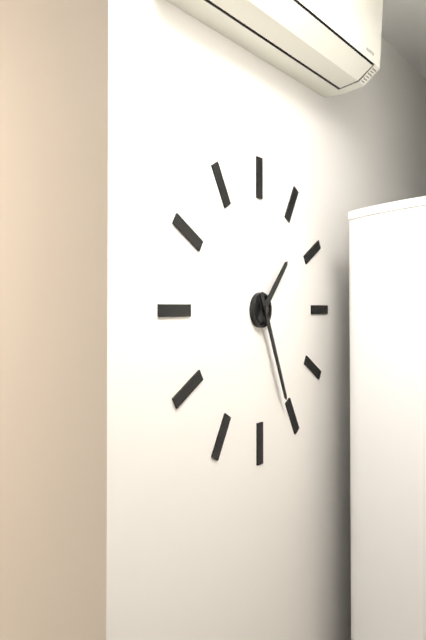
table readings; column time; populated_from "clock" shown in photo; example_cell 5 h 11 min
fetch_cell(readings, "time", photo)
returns 1 h 26 min
